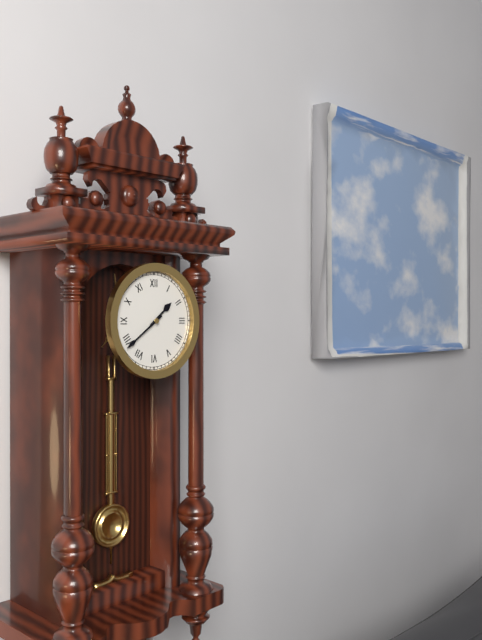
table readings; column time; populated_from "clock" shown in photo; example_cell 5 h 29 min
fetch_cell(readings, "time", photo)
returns 1 h 39 min
